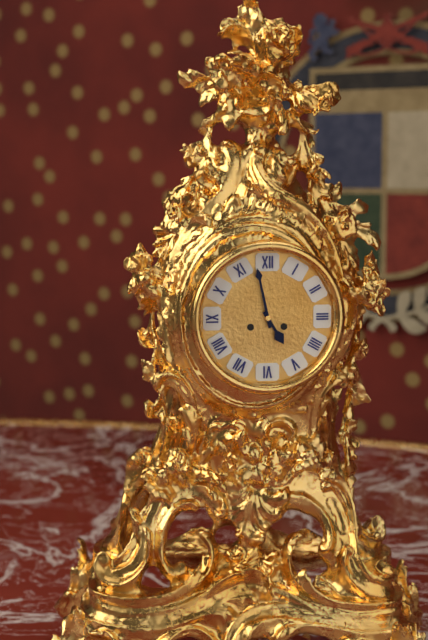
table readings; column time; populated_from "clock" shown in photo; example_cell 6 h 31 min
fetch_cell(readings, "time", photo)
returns 4 h 58 min
